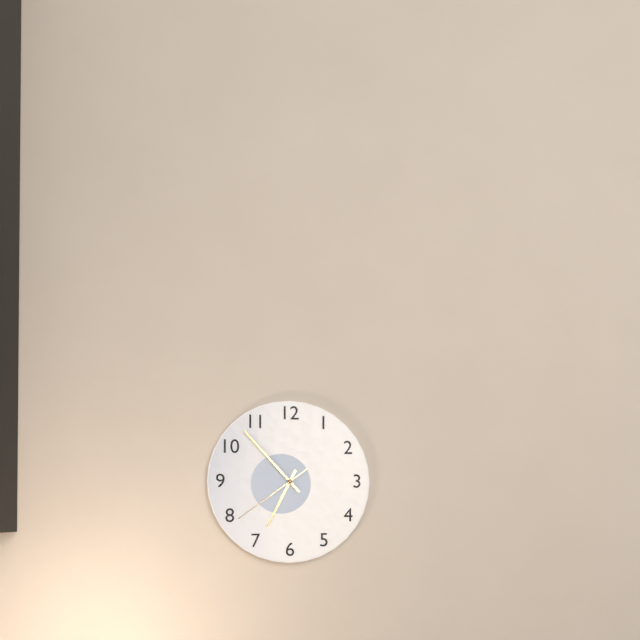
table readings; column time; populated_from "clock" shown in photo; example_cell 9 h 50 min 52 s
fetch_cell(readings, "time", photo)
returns 6 h 53 min 39 s
